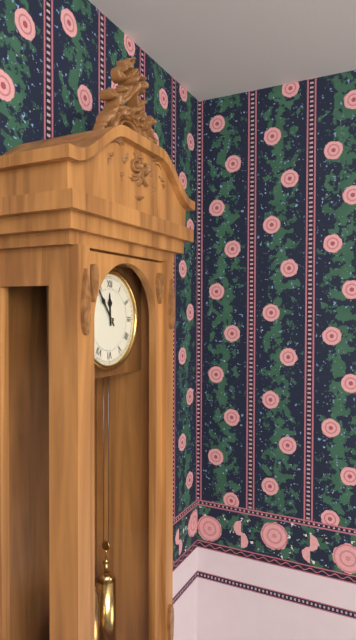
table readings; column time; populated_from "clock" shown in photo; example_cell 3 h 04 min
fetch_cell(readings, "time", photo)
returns 11 h 54 min
